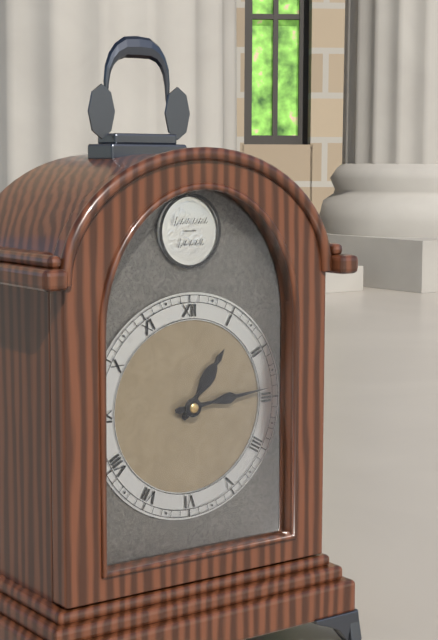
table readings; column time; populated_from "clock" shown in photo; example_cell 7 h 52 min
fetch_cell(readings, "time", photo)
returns 1 h 14 min
